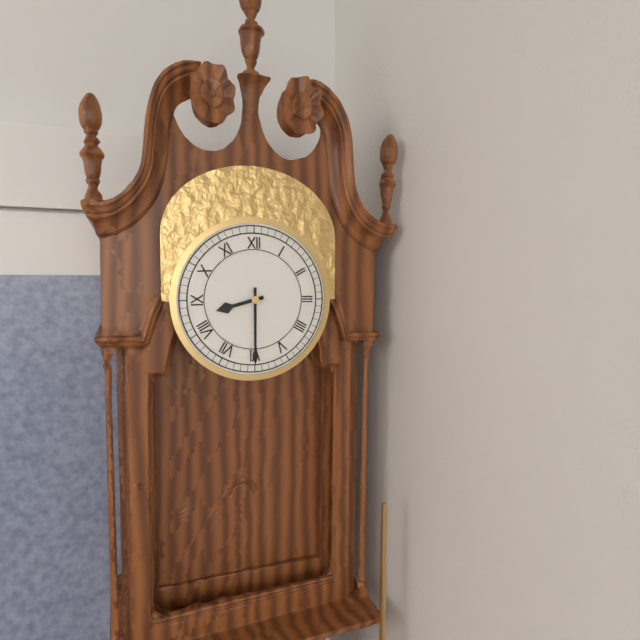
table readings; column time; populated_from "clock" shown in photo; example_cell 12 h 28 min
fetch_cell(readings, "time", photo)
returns 8 h 30 min
